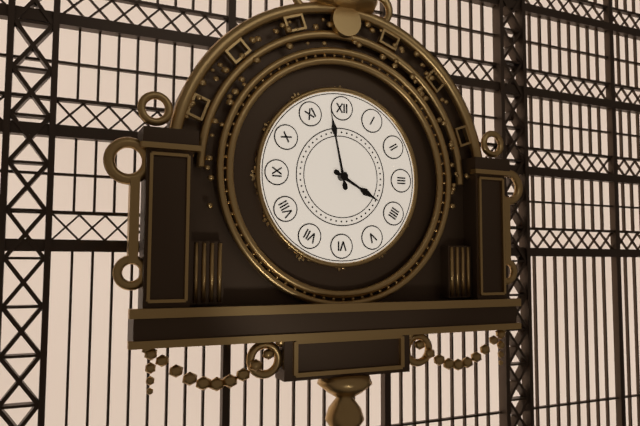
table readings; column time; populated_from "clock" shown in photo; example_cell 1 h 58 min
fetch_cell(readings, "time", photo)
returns 3 h 58 min
